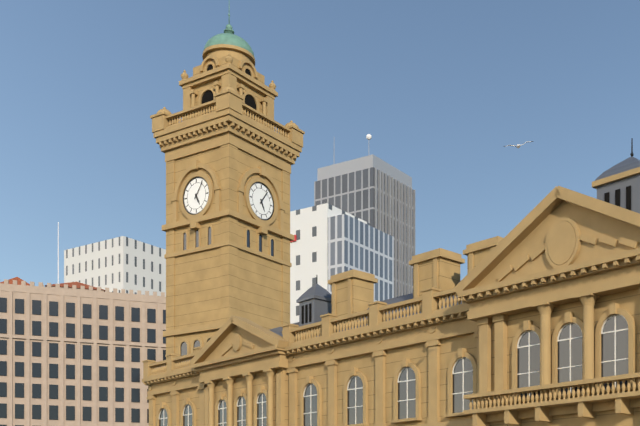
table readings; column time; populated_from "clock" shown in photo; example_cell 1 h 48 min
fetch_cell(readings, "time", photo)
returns 5 h 06 min
